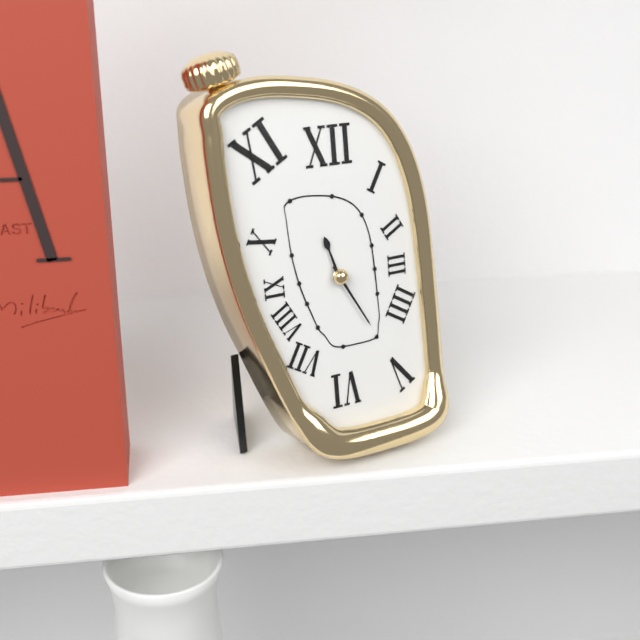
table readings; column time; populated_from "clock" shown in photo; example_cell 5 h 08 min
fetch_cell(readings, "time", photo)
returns 11 h 25 min
